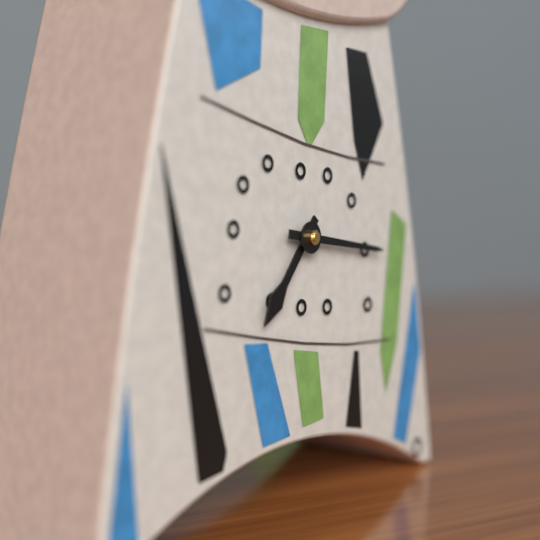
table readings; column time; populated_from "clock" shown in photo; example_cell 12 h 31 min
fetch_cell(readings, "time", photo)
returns 7 h 16 min
